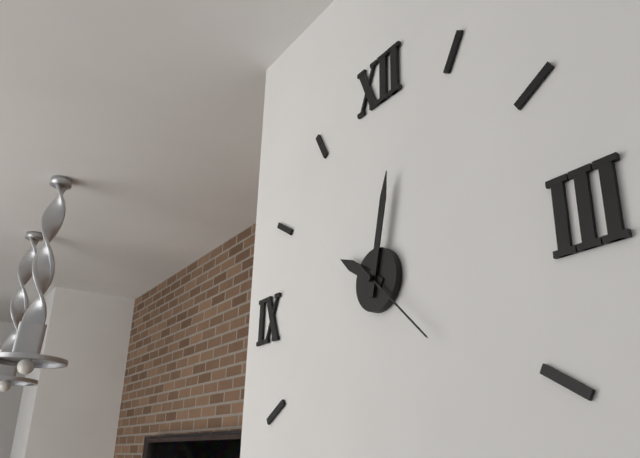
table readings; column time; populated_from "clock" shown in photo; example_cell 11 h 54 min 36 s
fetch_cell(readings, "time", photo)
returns 10 h 02 min 22 s
